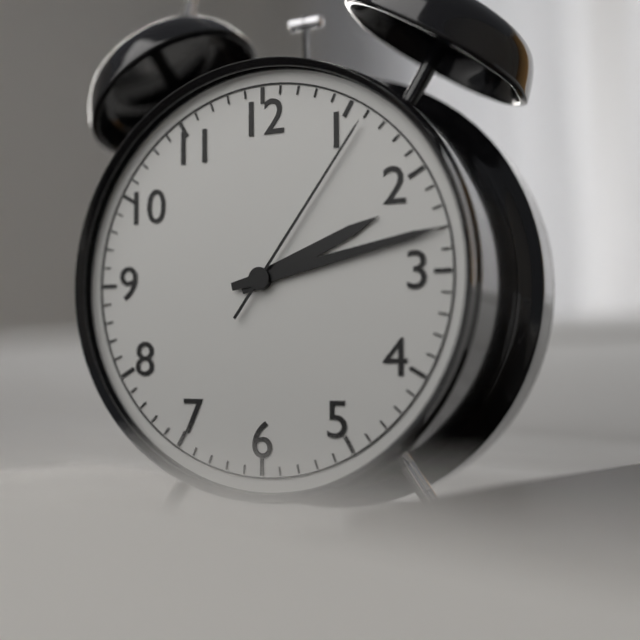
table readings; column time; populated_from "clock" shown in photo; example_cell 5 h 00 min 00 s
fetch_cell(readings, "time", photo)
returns 2 h 13 min 06 s
